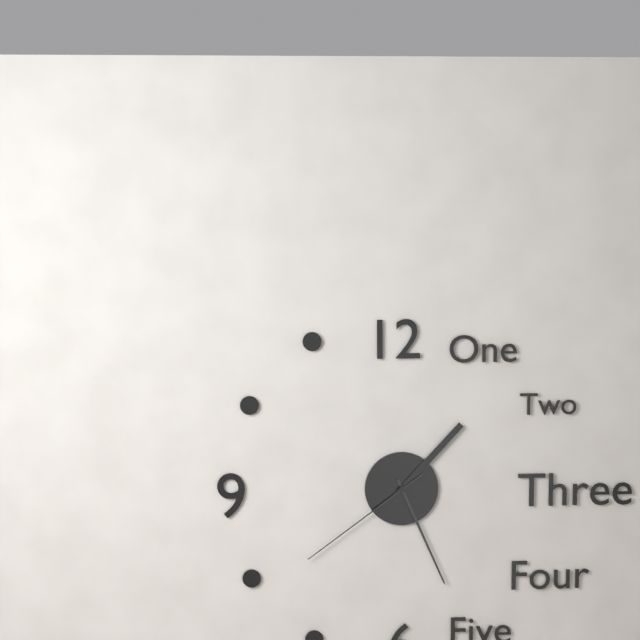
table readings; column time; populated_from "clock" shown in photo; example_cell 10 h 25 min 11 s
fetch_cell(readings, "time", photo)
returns 1 h 26 min 39 s
